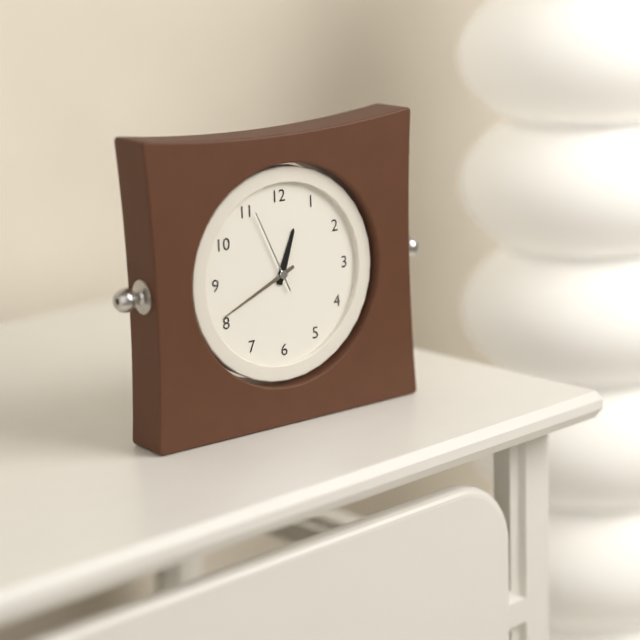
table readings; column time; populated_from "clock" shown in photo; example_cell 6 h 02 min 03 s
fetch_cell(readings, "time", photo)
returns 12 h 41 min 56 s
